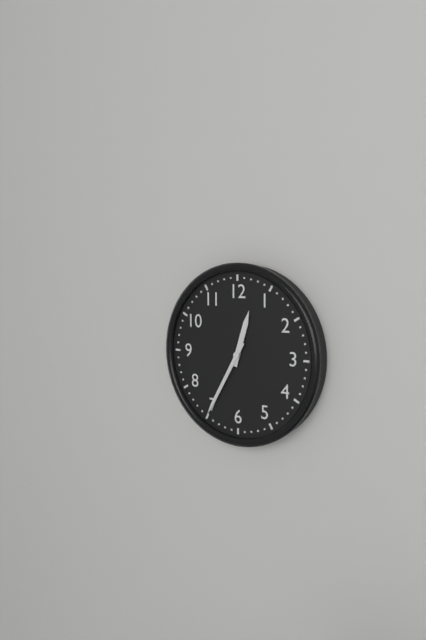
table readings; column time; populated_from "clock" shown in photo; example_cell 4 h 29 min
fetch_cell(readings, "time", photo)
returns 12 h 35 min
